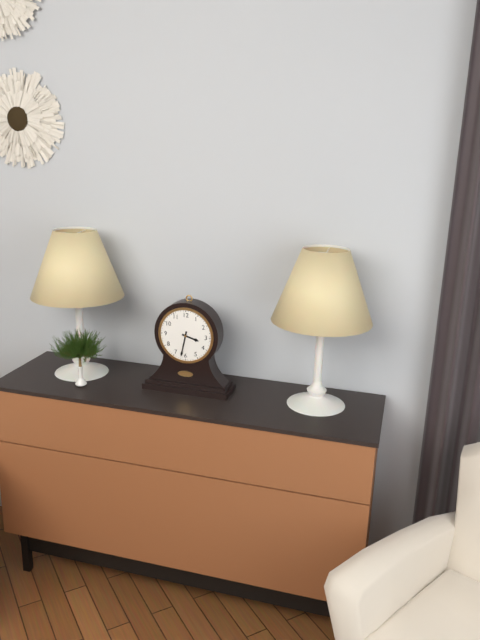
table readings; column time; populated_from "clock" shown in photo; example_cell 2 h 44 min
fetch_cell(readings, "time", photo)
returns 3 h 32 min
